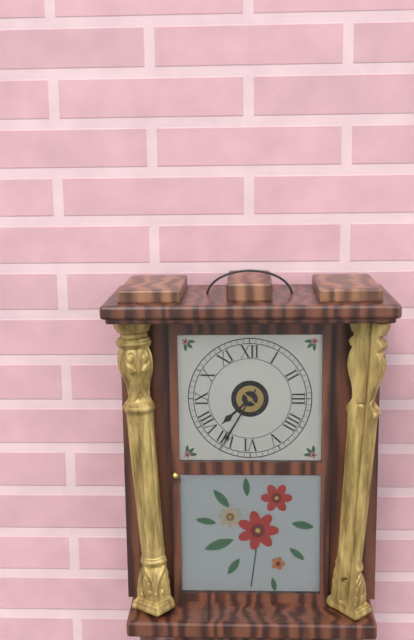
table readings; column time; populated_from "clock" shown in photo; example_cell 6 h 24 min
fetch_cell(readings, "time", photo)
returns 7 h 35 min
